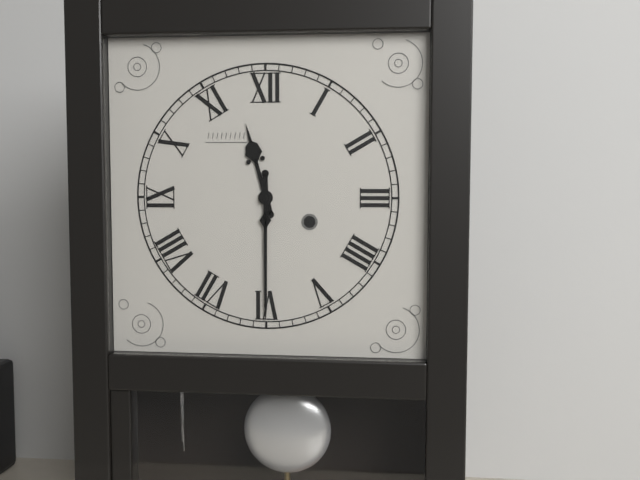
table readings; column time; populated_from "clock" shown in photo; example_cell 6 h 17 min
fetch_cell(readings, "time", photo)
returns 11 h 30 min
